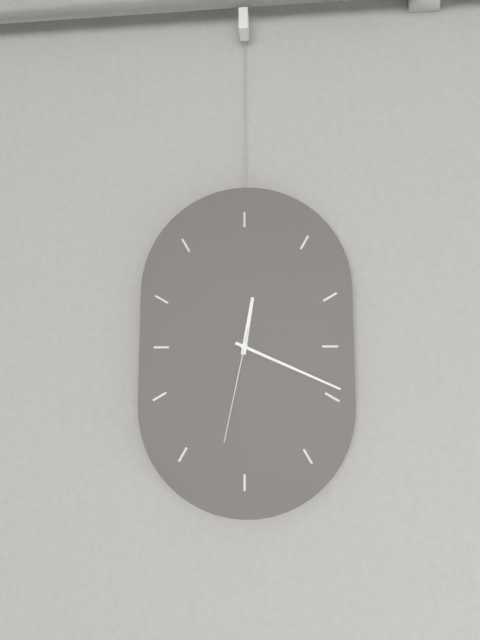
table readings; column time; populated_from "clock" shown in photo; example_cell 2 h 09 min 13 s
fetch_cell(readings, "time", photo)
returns 12 h 19 min 32 s
